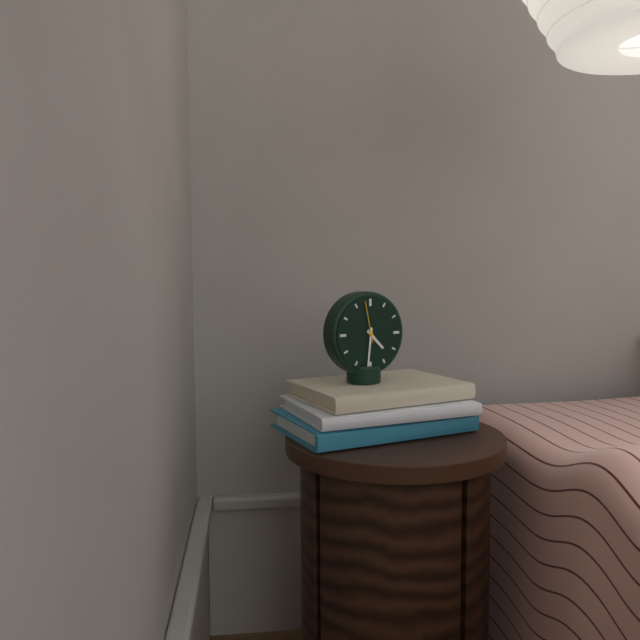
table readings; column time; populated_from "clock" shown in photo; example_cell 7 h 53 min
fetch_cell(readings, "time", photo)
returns 4 h 31 min
